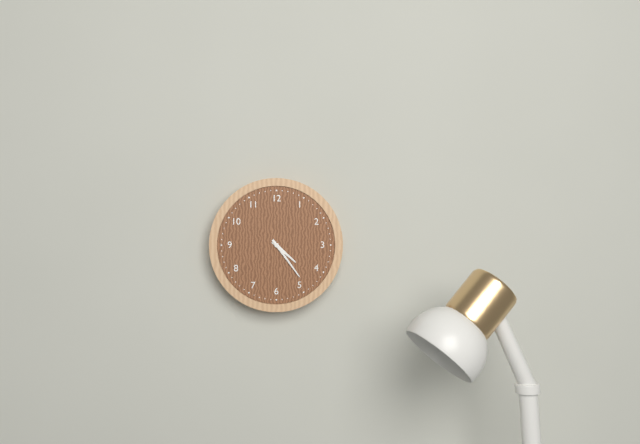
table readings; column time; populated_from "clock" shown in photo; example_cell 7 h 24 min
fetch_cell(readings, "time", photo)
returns 4 h 24 min
